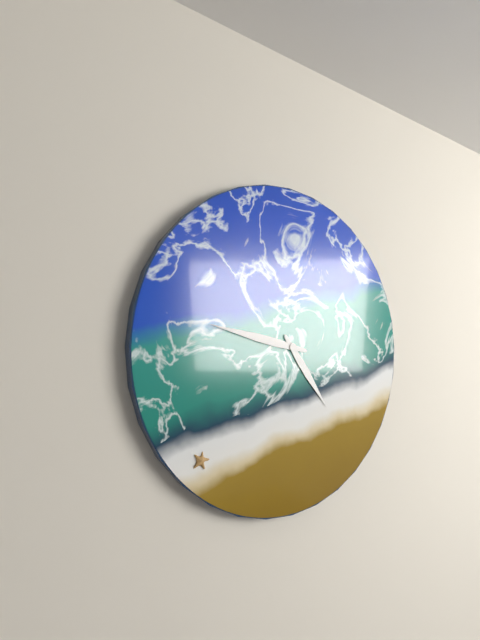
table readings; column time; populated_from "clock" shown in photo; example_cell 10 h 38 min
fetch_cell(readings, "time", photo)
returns 4 h 47 min
